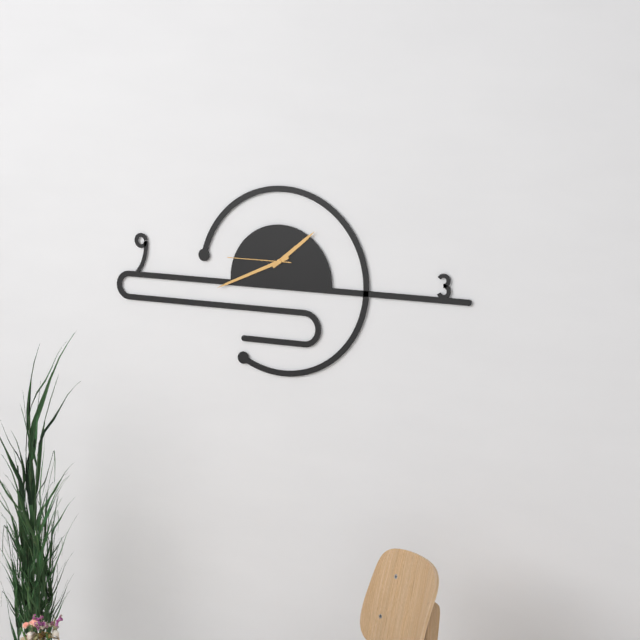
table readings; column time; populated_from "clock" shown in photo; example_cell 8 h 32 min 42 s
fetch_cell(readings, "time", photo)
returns 1 h 41 min 45 s
